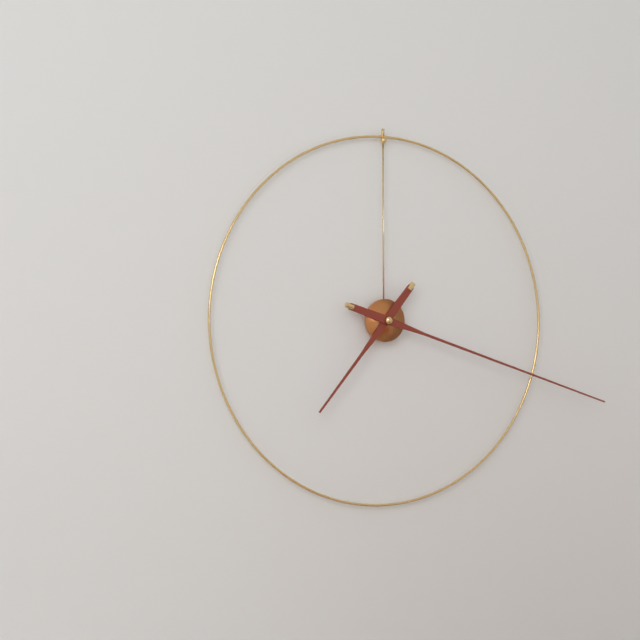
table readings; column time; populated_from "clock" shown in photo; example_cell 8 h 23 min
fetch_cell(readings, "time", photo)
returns 7 h 18 min
